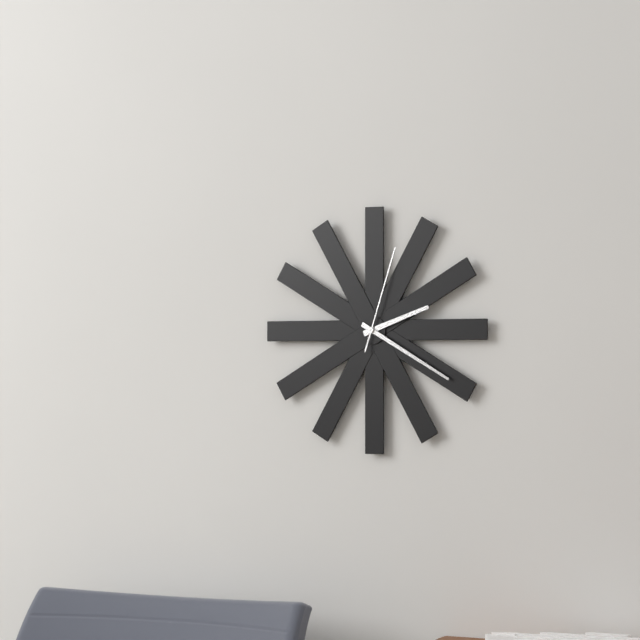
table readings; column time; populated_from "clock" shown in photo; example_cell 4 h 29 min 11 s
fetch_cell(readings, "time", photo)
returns 2 h 20 min 03 s
